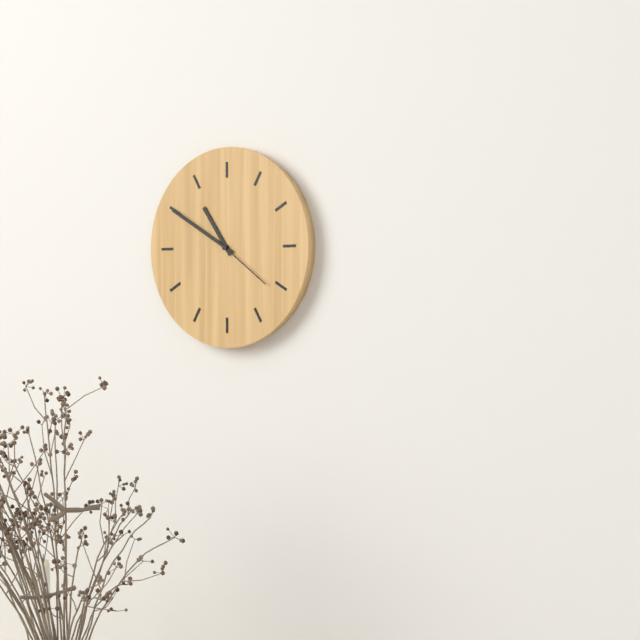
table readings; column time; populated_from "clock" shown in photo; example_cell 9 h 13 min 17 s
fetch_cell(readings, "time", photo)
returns 10 h 50 min 21 s
